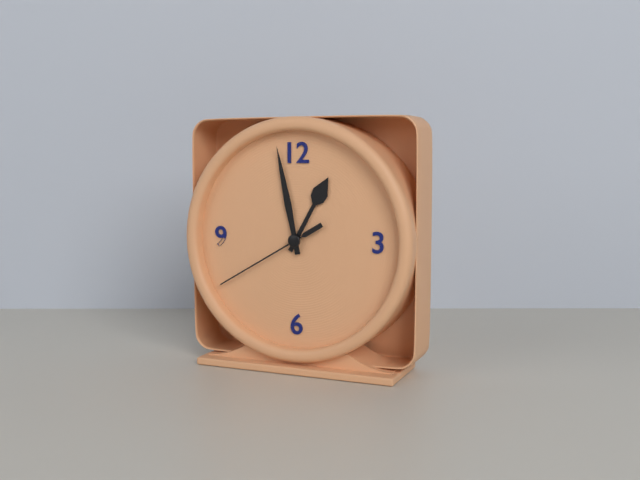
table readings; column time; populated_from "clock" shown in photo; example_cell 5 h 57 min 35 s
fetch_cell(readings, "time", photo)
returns 12 h 58 min 40 s
